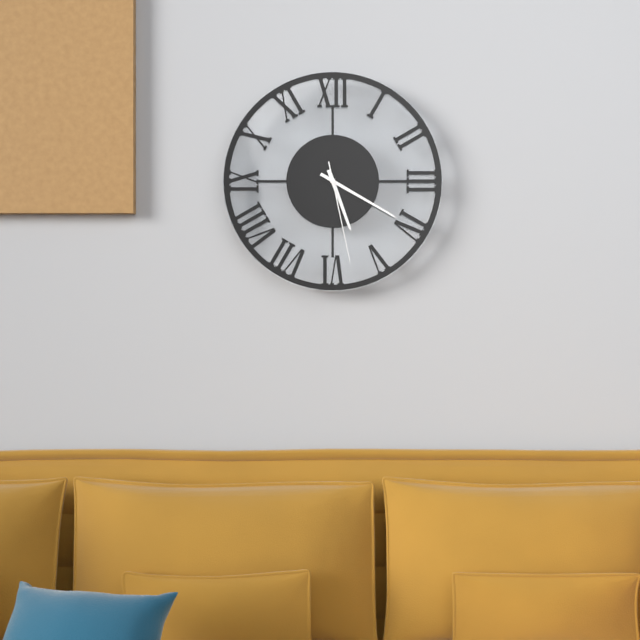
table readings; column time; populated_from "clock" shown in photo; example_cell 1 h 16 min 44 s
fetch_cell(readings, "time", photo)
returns 5 h 20 min 28 s
